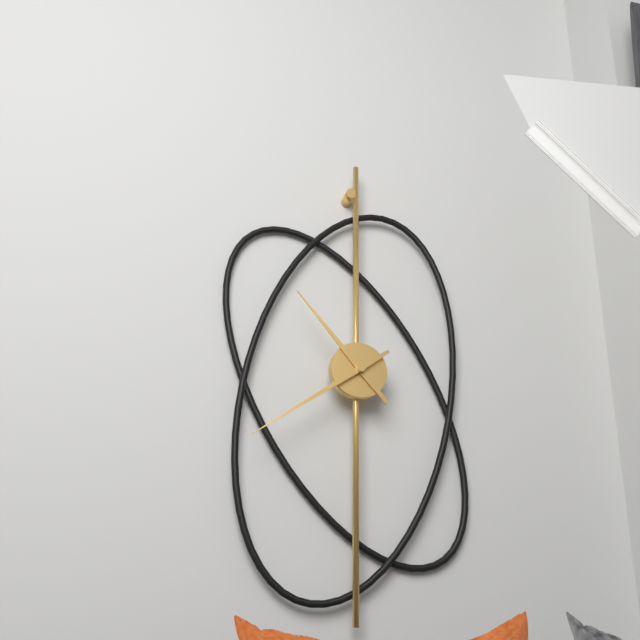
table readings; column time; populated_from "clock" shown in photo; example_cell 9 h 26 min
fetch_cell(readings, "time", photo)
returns 10 h 39 min
